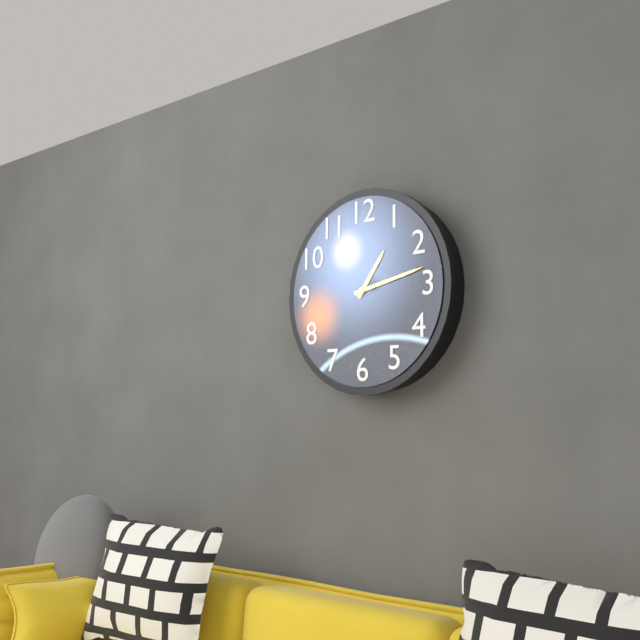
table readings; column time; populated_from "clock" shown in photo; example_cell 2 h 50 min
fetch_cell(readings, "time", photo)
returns 1 h 13 min
